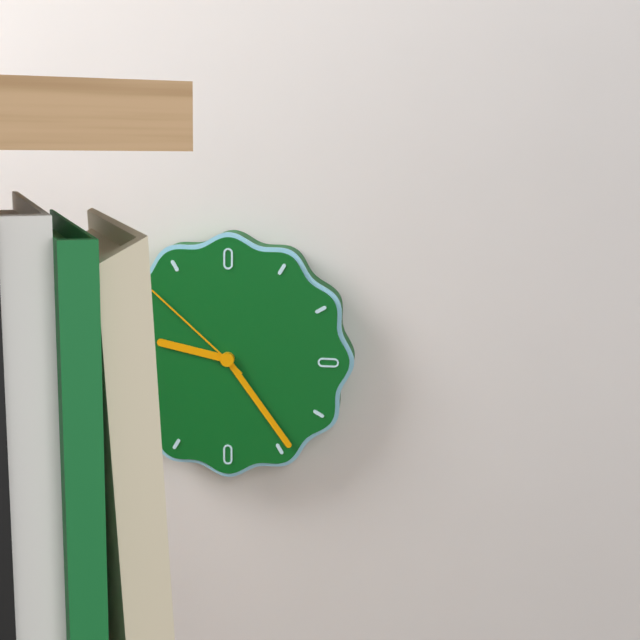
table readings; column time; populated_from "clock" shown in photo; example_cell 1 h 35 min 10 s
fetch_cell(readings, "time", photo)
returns 9 h 24 min 52 s
